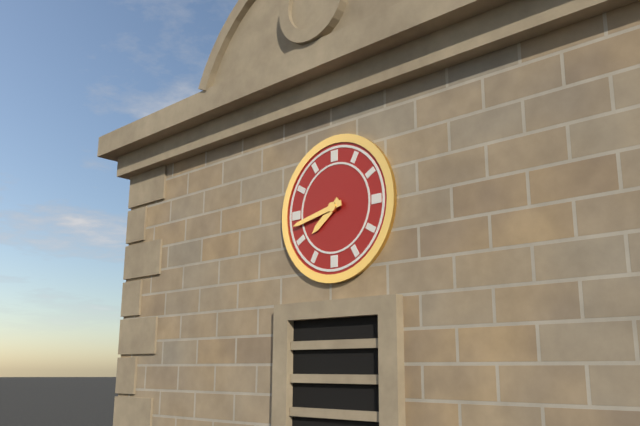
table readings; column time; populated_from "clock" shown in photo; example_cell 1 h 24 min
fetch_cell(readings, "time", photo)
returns 7 h 43 min
